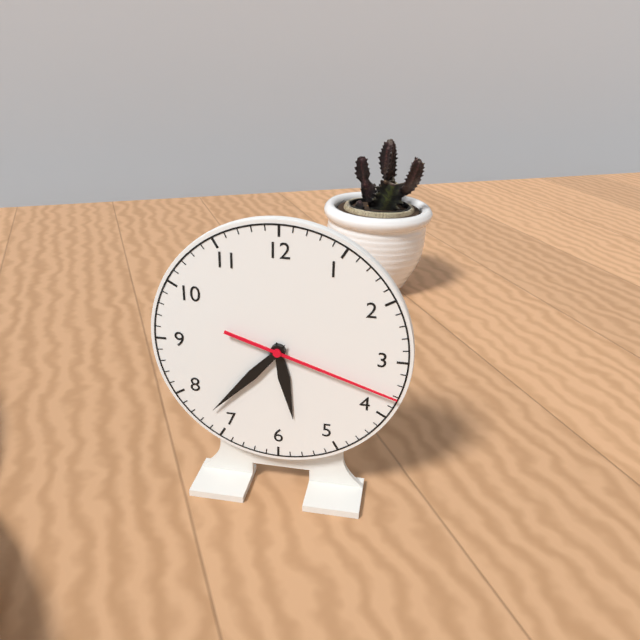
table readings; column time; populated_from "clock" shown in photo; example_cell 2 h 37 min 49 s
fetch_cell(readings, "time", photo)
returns 5 h 37 min 18 s
